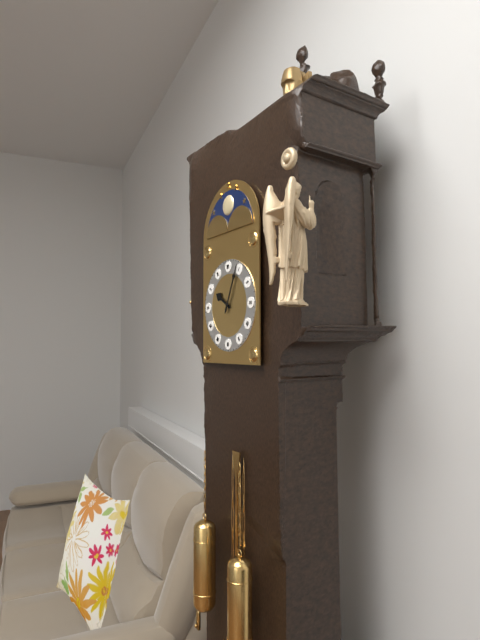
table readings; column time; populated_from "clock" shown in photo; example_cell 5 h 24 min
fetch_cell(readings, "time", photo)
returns 10 h 04 min
